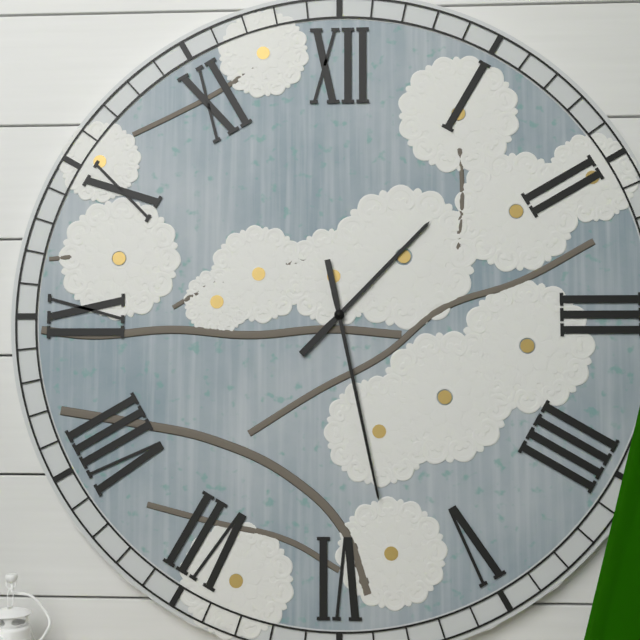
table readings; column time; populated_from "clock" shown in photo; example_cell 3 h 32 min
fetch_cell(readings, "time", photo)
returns 1 h 28 min
